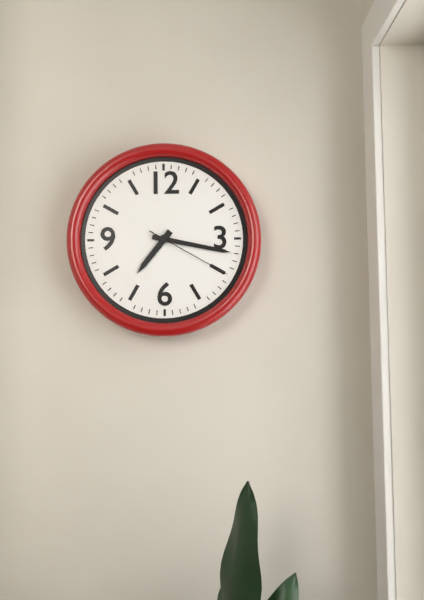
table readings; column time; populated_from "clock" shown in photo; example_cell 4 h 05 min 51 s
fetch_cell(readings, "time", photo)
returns 7 h 17 min 20 s
